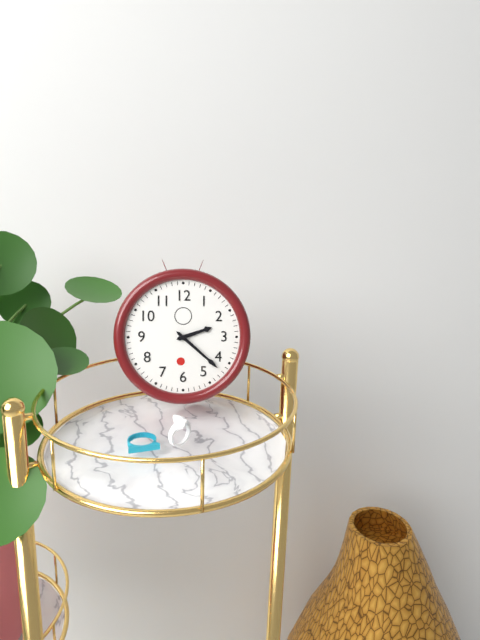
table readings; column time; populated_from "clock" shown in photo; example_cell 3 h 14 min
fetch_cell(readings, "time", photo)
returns 2 h 22 min
